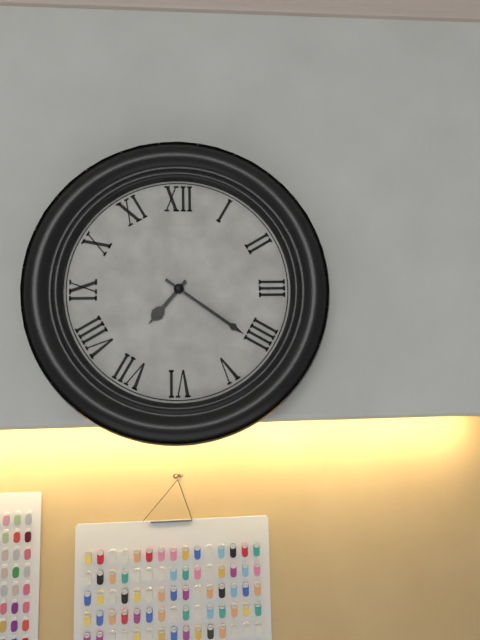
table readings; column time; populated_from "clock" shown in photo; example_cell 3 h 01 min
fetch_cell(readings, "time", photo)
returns 7 h 21 min
